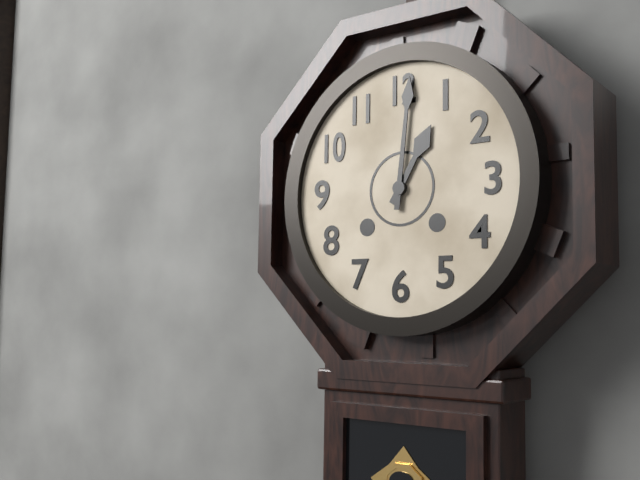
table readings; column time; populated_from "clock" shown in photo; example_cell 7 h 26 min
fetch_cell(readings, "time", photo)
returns 1 h 01 min
